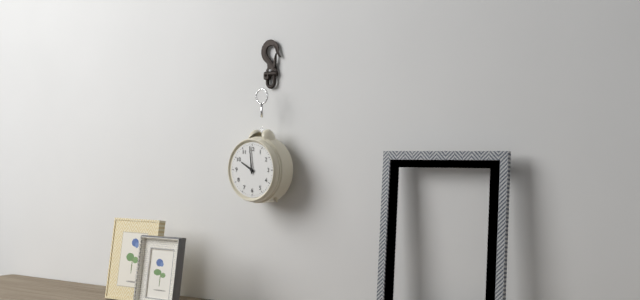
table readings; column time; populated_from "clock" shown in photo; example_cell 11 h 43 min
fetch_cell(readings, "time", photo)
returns 9 h 59 min
